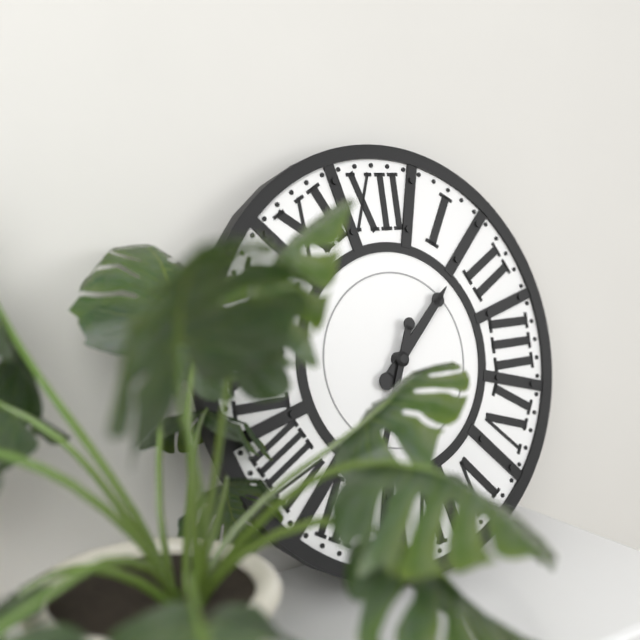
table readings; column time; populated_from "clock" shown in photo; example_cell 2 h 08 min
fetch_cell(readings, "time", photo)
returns 1 h 34 min
